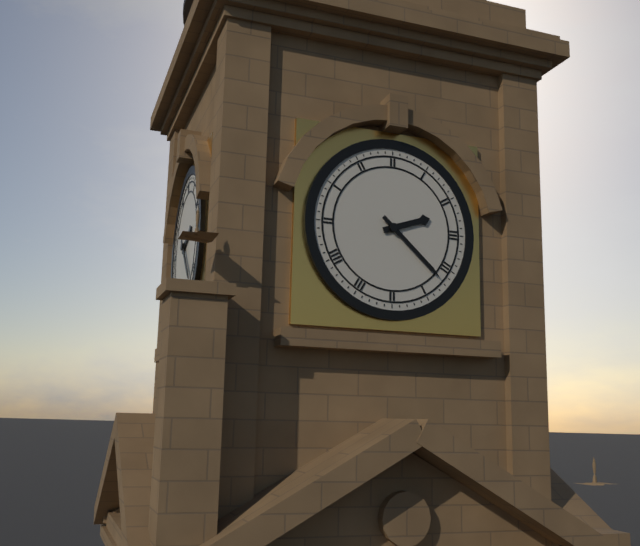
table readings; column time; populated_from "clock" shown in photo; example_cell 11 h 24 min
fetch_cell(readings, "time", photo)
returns 2 h 22 min
